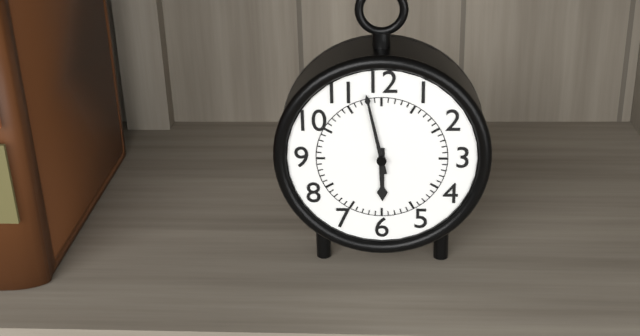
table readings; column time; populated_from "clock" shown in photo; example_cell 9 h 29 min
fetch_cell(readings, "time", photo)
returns 5 h 58 min
